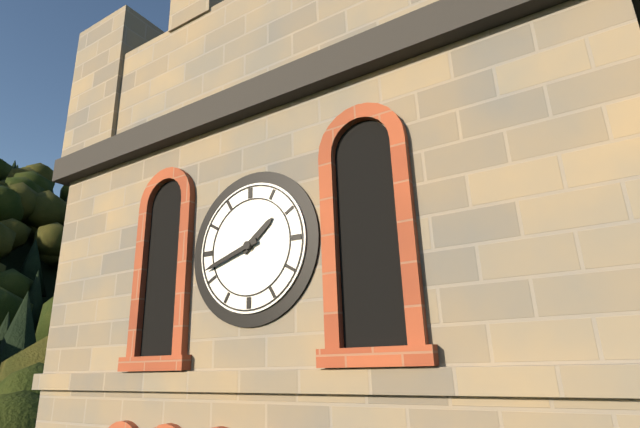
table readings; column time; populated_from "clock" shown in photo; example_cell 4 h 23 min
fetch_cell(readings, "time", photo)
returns 1 h 42 min
